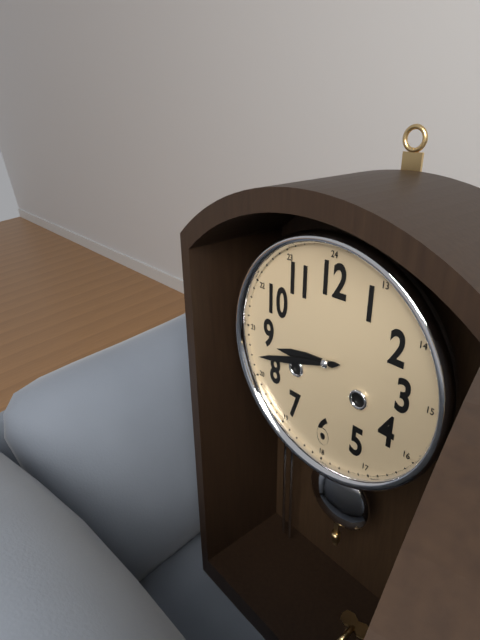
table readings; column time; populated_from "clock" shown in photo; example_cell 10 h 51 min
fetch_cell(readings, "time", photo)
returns 8 h 42 min
